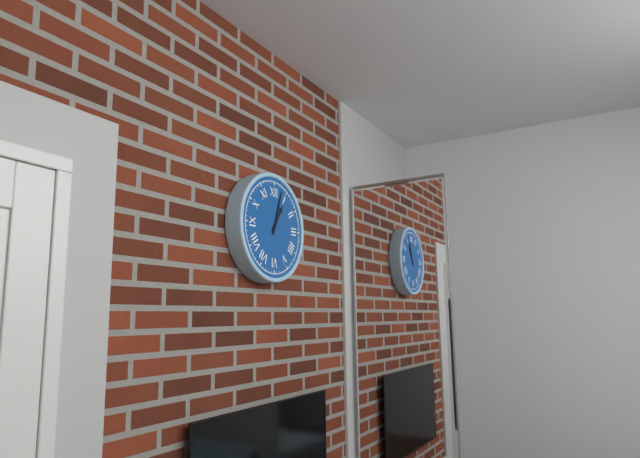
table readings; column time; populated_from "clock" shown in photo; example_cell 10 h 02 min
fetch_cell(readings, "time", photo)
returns 1 h 03 min
